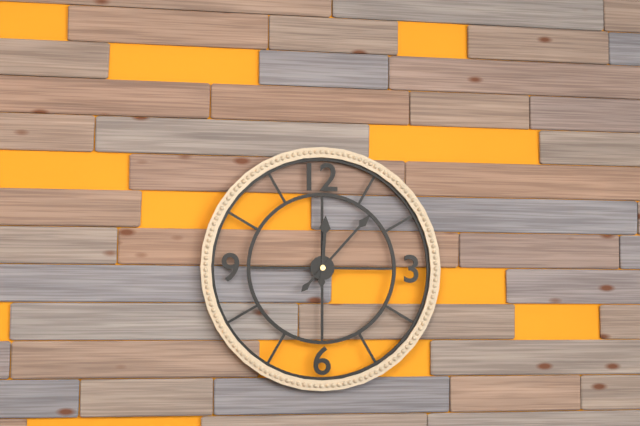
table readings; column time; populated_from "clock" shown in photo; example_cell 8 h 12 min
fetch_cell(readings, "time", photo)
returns 12 h 07 min
